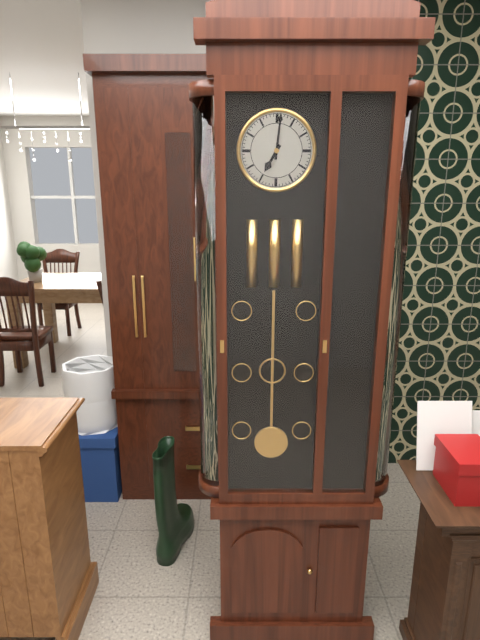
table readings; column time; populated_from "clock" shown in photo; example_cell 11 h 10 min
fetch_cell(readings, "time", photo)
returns 7 h 01 min
